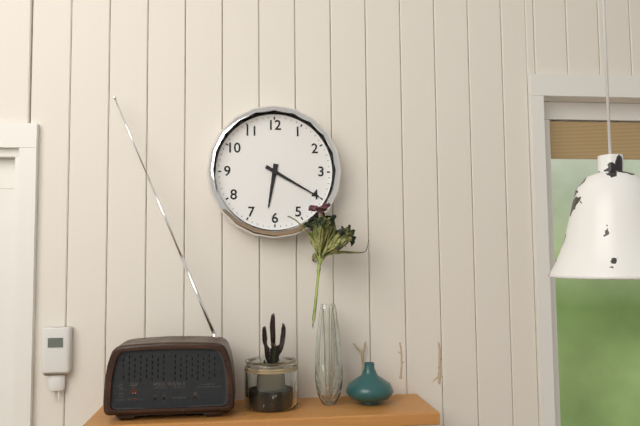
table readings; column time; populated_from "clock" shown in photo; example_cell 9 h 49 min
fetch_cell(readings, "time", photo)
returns 6 h 20 min
